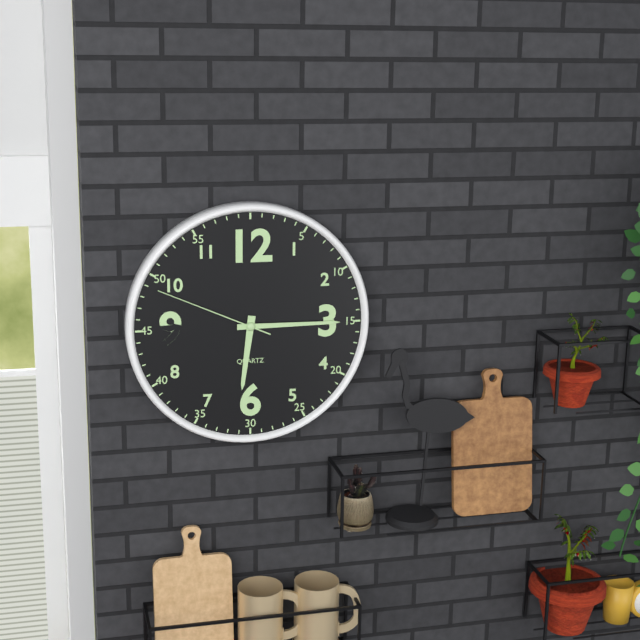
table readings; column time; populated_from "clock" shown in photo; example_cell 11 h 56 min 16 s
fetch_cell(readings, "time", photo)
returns 6 h 15 min 49 s
